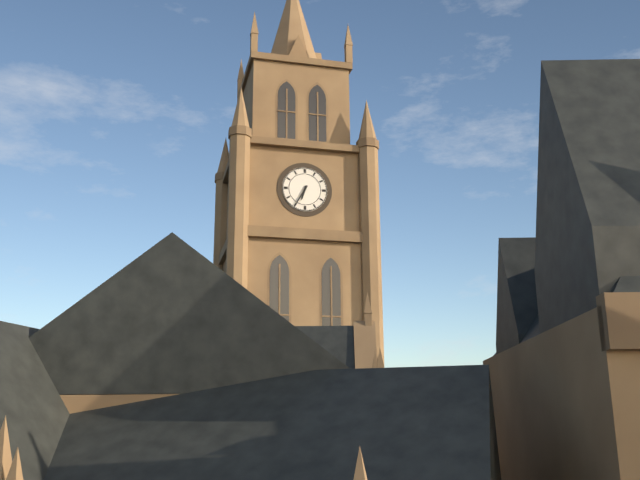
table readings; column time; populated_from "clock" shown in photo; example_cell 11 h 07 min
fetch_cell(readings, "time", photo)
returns 6 h 35 min
